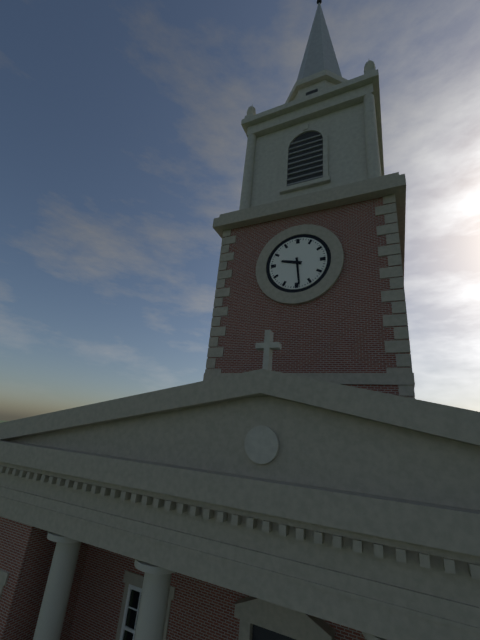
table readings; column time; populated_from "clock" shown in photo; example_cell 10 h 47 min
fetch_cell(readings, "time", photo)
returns 9 h 29 min
